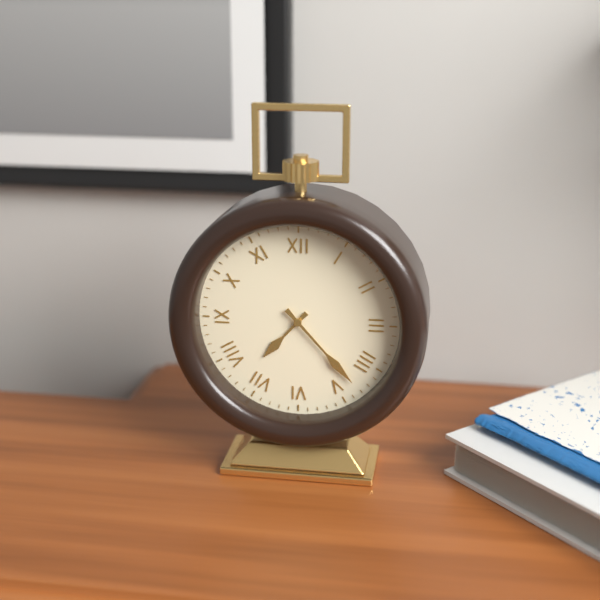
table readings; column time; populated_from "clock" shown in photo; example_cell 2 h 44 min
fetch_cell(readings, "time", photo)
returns 7 h 23 min
